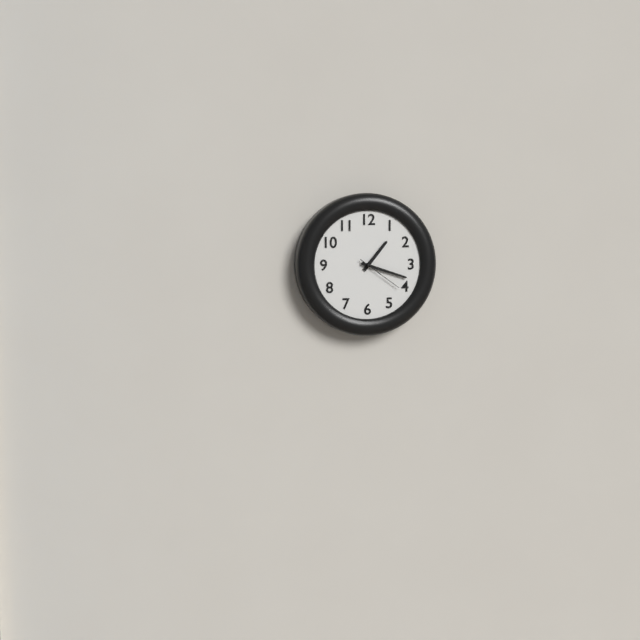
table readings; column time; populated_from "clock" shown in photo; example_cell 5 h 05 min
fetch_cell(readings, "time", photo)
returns 1 h 18 min
